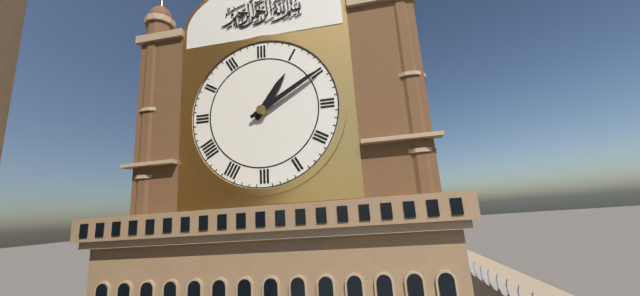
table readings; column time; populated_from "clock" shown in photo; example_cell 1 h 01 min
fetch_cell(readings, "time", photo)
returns 1 h 10 min
